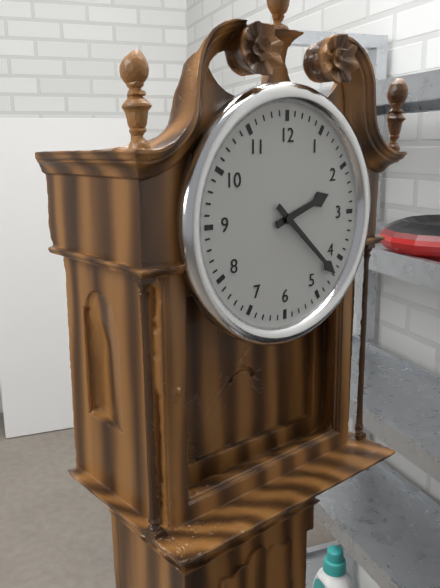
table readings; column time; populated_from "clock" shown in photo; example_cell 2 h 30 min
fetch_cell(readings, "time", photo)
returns 2 h 22 min
